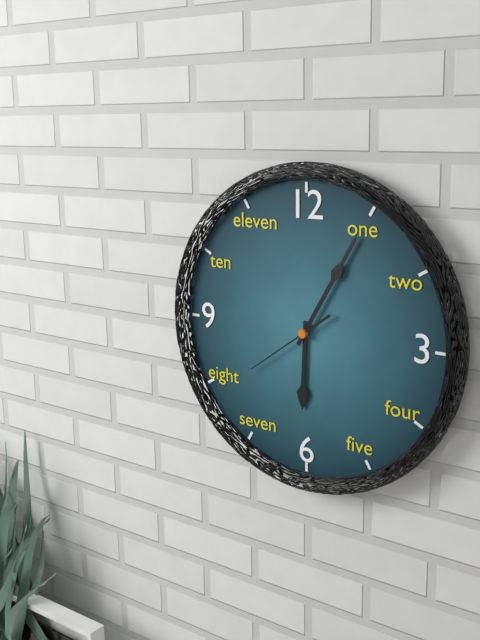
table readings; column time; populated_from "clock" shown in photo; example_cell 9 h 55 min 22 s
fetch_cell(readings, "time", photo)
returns 6 h 05 min 39 s
